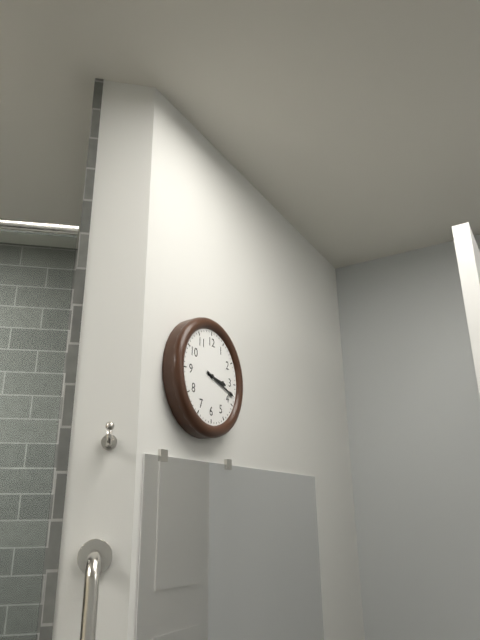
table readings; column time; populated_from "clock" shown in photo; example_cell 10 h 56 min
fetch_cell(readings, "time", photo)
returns 3 h 18 min
